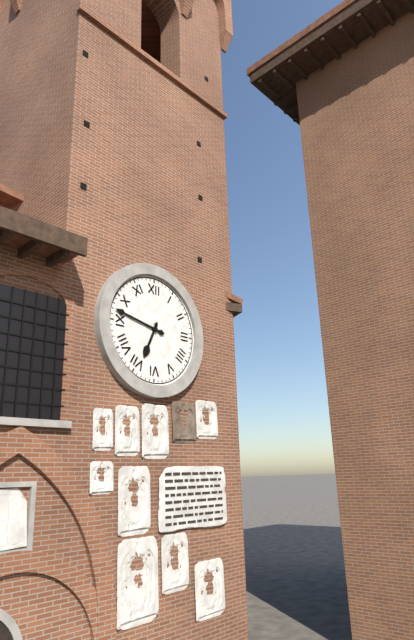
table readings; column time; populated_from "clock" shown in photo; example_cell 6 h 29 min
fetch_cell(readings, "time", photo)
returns 6 h 47 min
